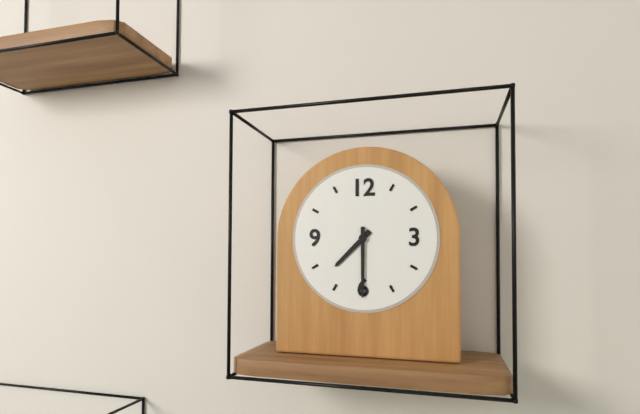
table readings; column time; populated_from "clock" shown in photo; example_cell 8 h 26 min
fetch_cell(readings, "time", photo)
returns 7 h 30 min
